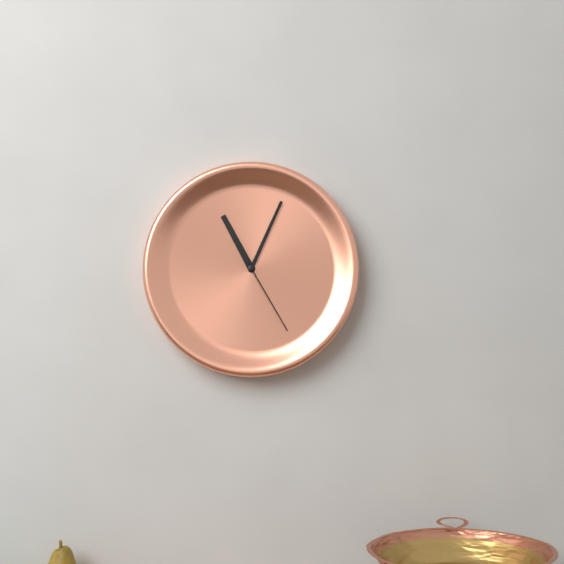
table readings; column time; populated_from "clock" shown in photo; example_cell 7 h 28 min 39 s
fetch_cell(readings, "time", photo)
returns 11 h 04 min 25 s
